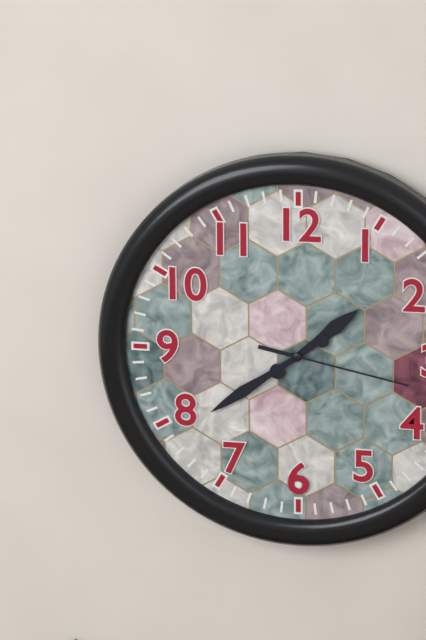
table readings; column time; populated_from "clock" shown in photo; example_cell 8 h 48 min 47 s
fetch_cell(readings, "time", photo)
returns 1 h 39 min 17 s
